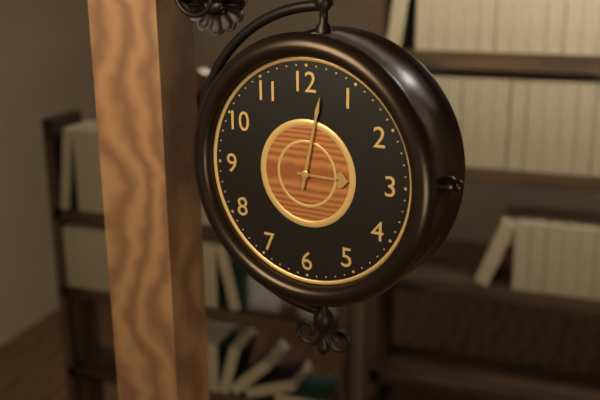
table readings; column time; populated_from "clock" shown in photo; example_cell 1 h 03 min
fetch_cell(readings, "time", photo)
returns 3 h 02 min
